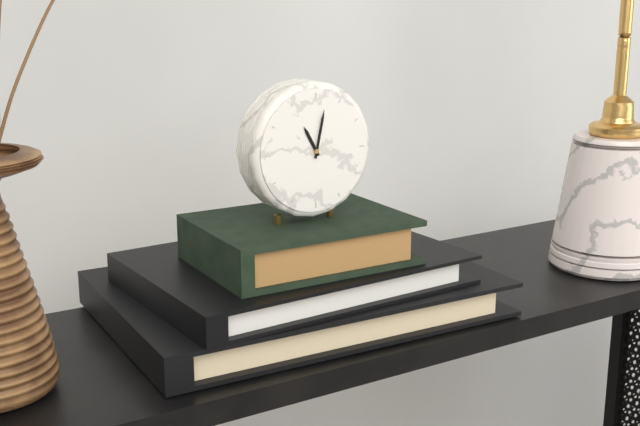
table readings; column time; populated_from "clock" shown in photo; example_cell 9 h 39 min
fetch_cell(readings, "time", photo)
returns 11 h 02 min
